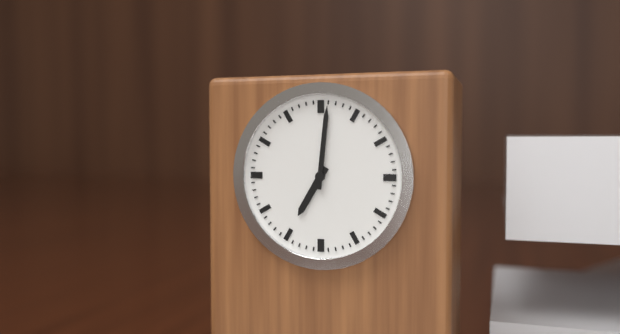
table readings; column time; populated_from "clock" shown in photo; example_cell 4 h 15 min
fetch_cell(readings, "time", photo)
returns 7 h 01 min
